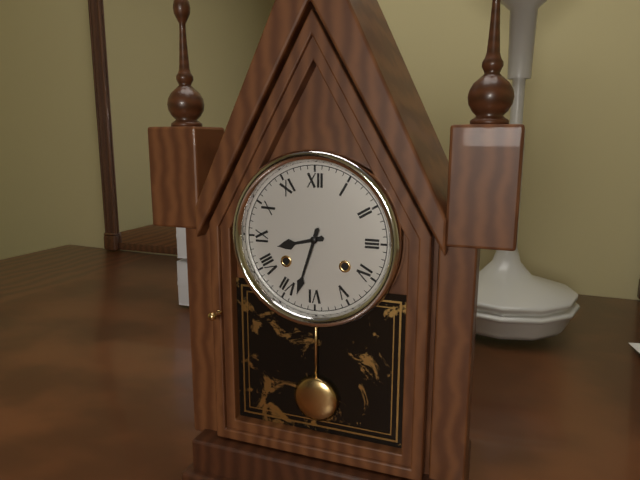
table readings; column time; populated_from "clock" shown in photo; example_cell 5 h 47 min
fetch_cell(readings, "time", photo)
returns 8 h 33 min
